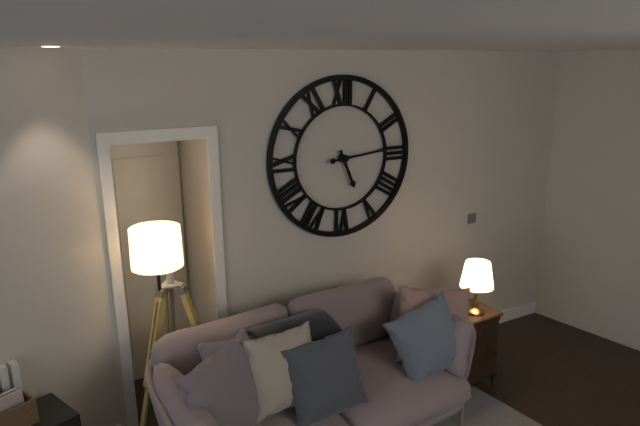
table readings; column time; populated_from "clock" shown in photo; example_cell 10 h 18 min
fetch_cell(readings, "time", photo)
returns 5 h 14 min
